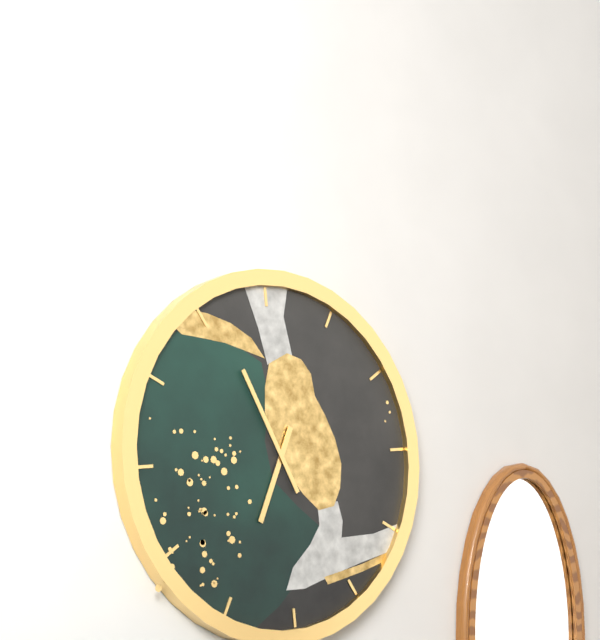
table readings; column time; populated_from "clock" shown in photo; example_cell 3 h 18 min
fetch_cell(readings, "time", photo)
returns 6 h 56 min
